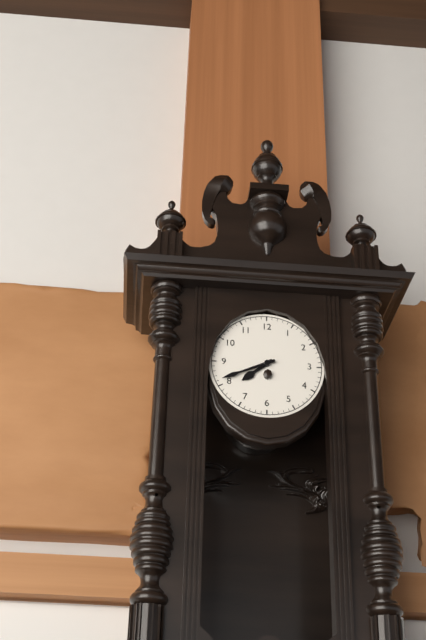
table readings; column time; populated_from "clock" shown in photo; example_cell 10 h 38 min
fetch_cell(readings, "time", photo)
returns 7 h 41 min
